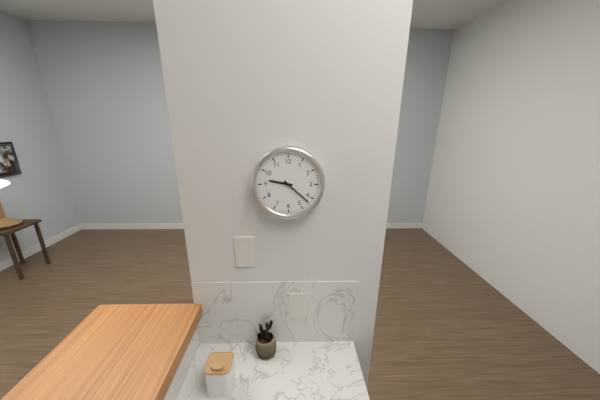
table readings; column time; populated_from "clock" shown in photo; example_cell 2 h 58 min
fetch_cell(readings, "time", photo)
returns 9 h 22 min
